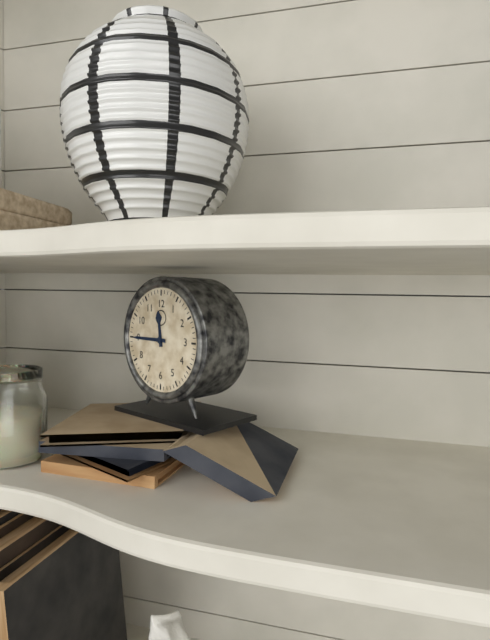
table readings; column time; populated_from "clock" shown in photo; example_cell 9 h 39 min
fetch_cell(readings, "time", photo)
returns 11 h 45 min
